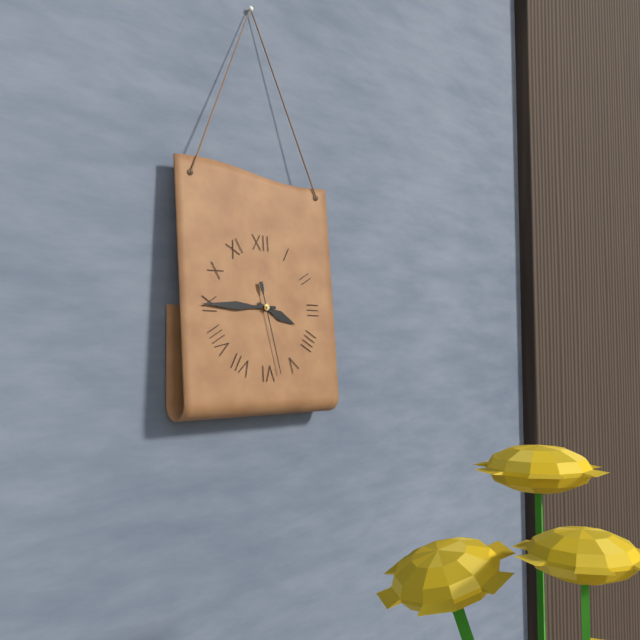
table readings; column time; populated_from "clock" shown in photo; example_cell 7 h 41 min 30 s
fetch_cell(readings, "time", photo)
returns 3 h 45 min 28 s
